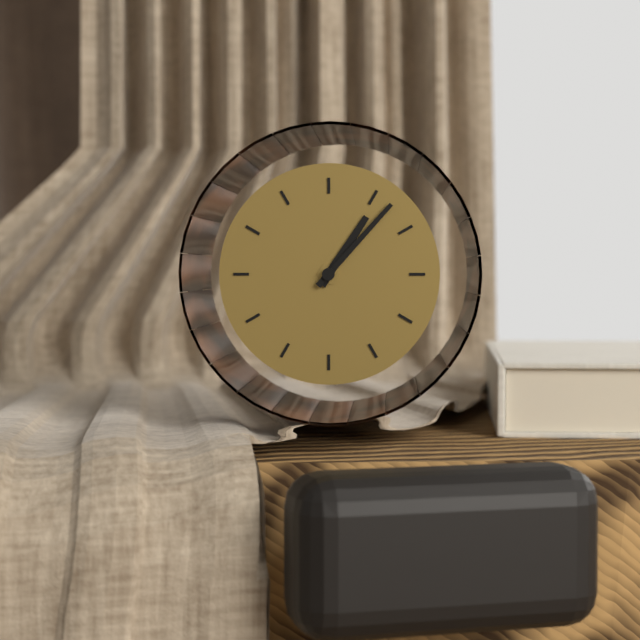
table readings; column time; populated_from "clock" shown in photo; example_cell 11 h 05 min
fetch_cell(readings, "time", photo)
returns 1 h 07 min
